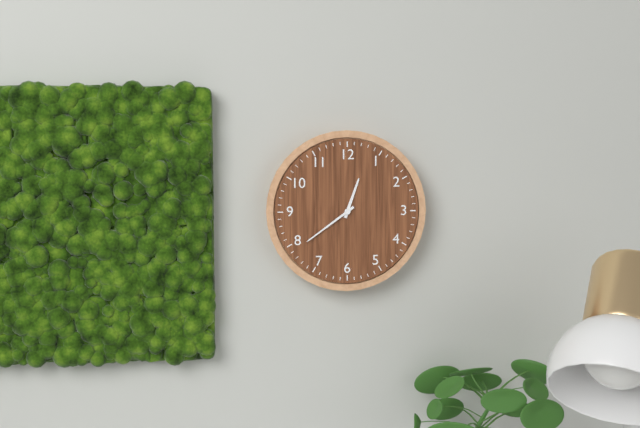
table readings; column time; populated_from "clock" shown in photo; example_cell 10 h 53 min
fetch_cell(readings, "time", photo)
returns 12 h 39 min
